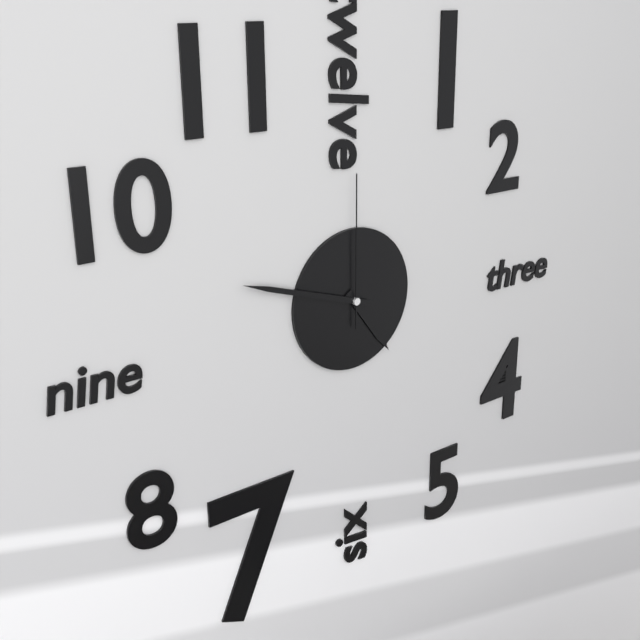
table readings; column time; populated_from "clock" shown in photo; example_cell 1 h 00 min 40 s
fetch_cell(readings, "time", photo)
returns 4 h 48 min 00 s
